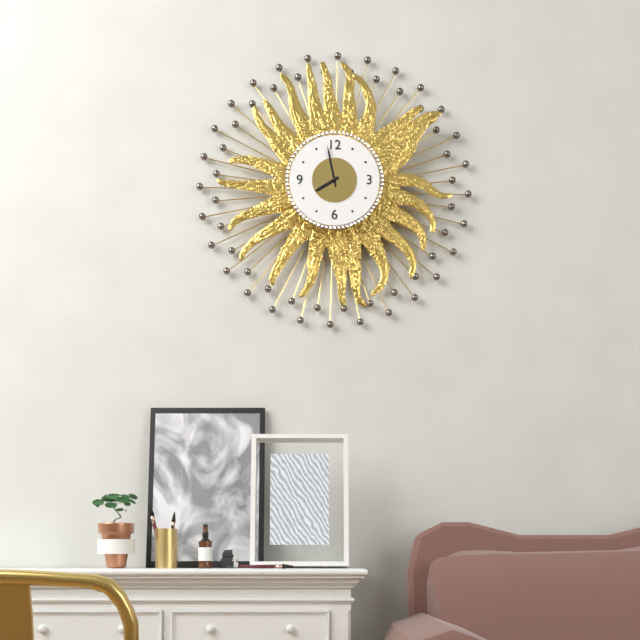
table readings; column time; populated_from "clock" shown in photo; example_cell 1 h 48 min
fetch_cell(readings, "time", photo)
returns 7 h 58 min
